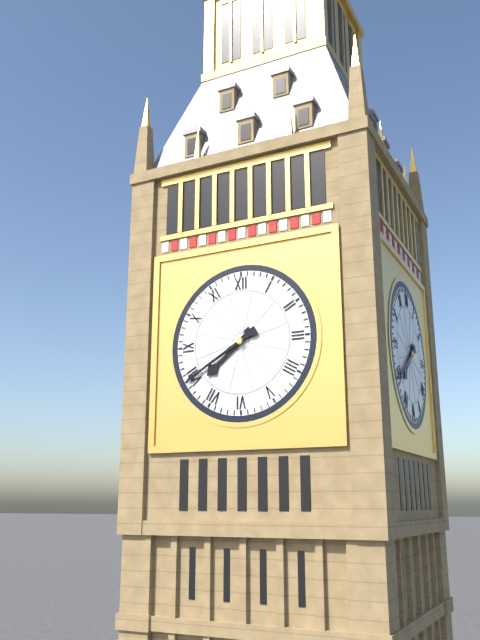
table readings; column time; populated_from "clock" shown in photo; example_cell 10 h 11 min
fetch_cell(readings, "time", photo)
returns 7 h 40 min
